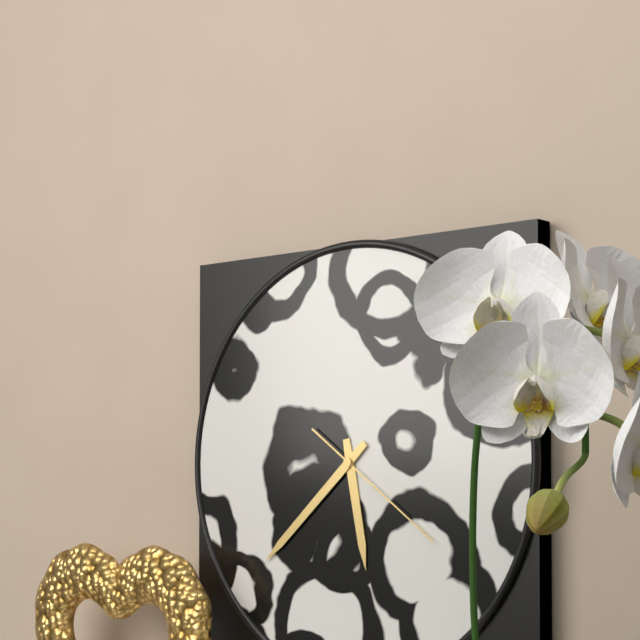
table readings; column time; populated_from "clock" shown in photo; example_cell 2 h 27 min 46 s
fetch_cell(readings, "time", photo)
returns 5 h 38 min 21 s
